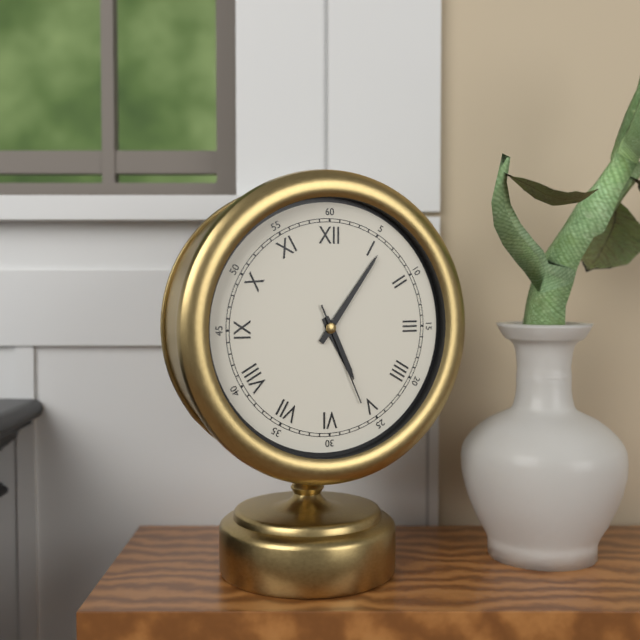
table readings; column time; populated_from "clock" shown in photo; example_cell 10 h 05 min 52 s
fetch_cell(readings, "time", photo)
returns 5 h 06 min 26 s
